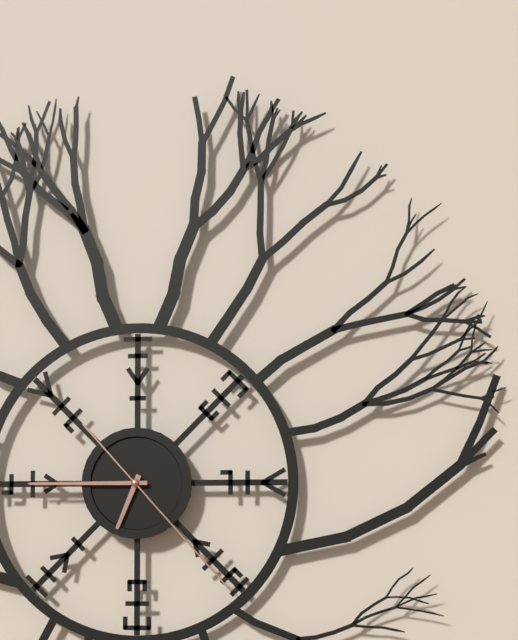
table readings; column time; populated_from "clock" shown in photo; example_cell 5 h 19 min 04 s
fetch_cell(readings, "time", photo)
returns 6 h 45 min 23 s
